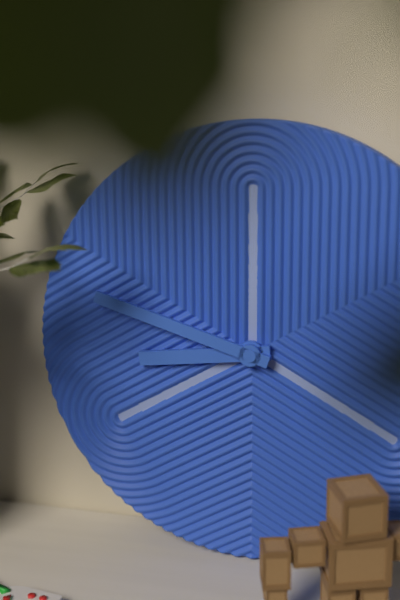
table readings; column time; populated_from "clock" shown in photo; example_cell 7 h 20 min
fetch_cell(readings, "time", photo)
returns 8 h 48 min
